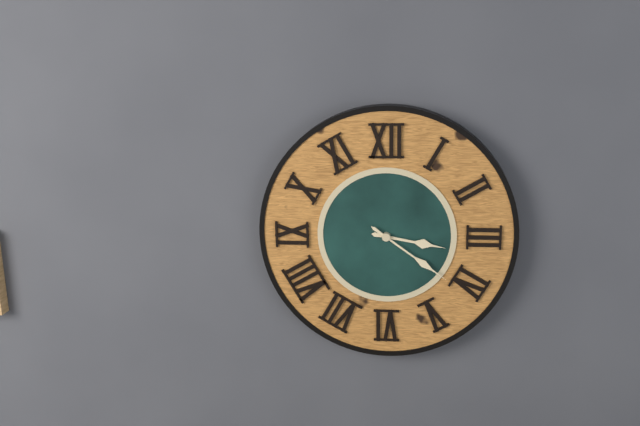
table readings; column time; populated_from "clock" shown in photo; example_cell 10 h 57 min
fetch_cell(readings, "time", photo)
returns 3 h 21 min
